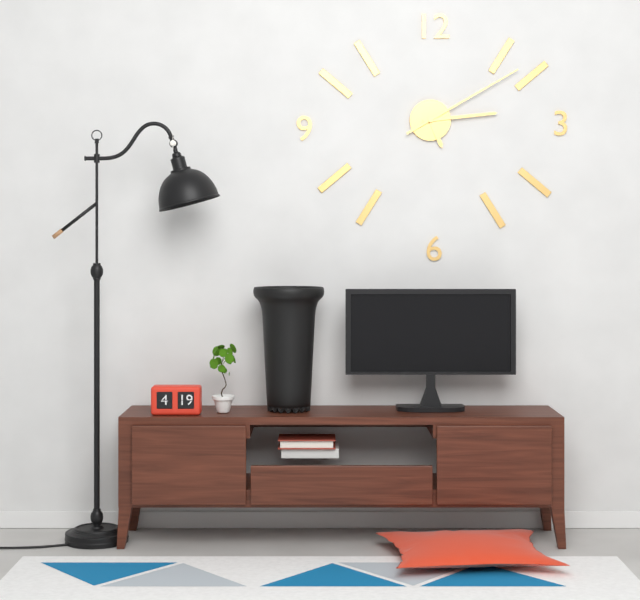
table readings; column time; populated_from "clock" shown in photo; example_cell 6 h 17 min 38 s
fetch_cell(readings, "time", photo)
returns 5 h 14 min 10 s
